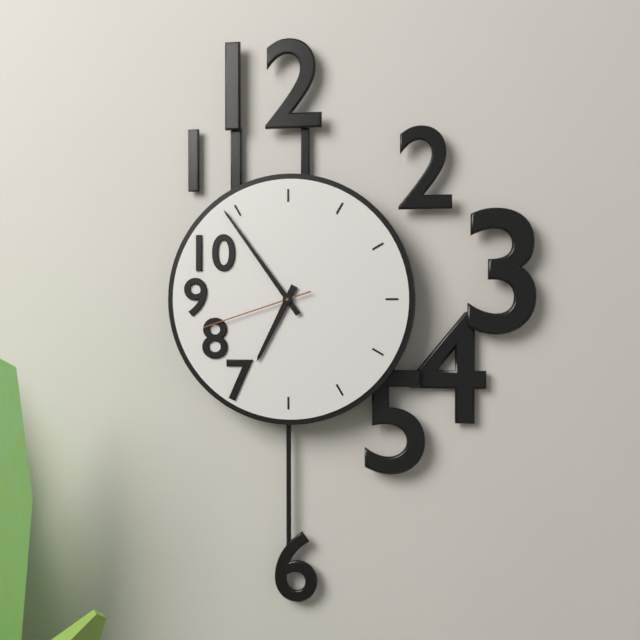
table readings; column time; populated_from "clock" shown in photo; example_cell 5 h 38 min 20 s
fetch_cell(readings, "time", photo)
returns 6 h 54 min 42 s
